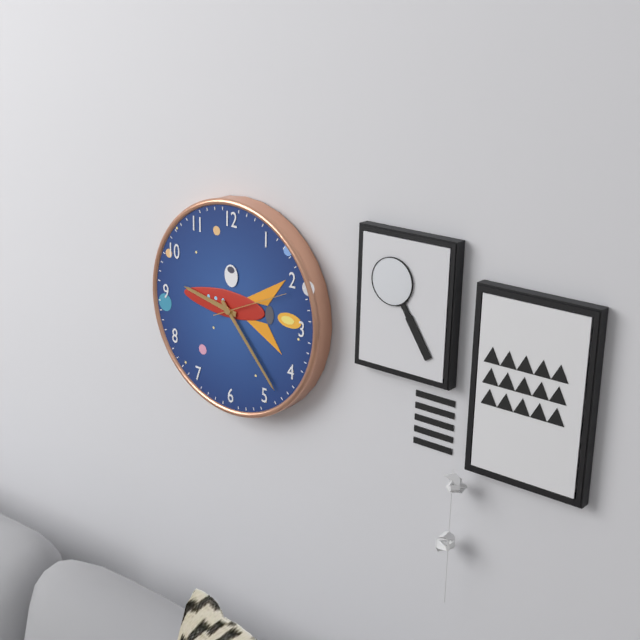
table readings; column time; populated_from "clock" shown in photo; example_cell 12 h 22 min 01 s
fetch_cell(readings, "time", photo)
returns 9 h 23 min 11 s
